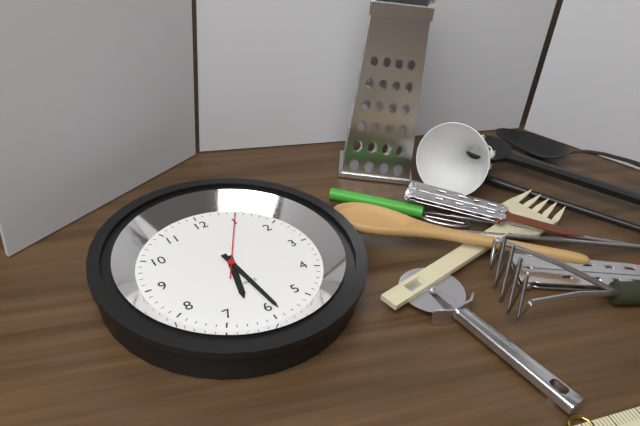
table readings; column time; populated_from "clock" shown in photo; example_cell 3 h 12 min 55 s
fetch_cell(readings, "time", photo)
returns 6 h 29 min 05 s
